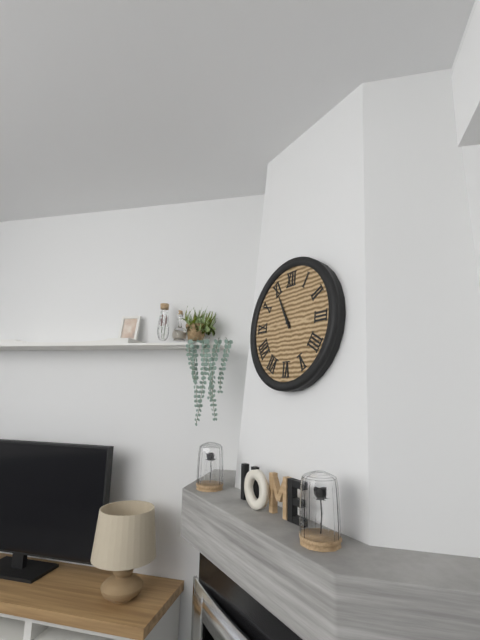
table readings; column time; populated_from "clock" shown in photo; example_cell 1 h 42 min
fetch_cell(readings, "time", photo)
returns 10 h 55 min
